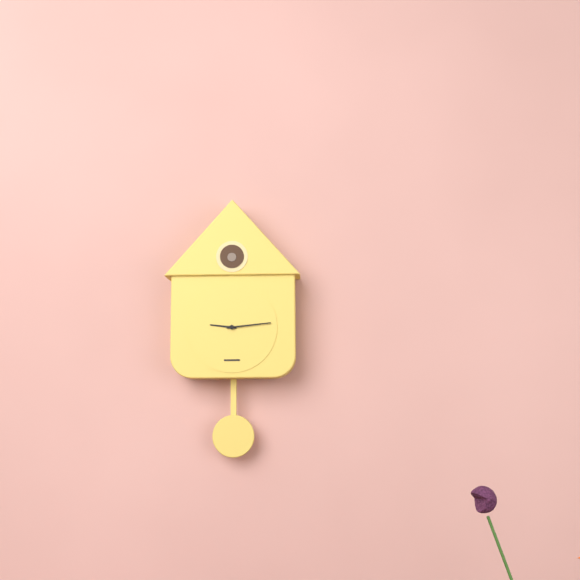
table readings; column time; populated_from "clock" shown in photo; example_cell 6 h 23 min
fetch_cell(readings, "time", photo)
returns 9 h 14 min
